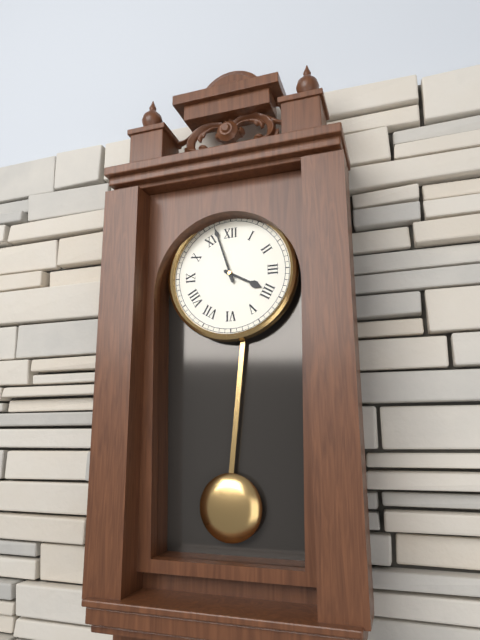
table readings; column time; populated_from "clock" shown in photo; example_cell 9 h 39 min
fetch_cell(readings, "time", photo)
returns 3 h 57 min
